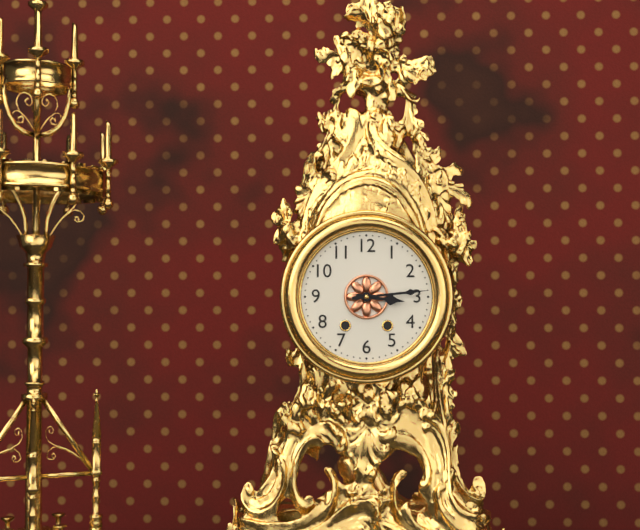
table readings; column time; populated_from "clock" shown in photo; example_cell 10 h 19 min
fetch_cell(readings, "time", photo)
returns 3 h 14 min
